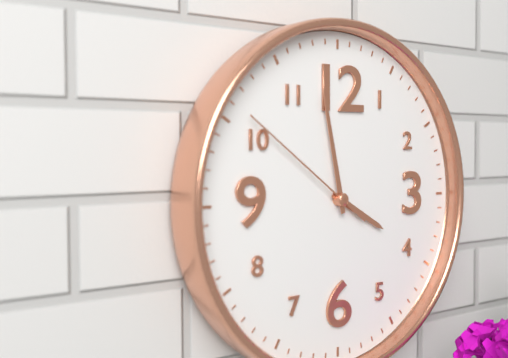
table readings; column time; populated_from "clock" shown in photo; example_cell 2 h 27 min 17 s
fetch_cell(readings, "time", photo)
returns 3 h 58 min 51 s
